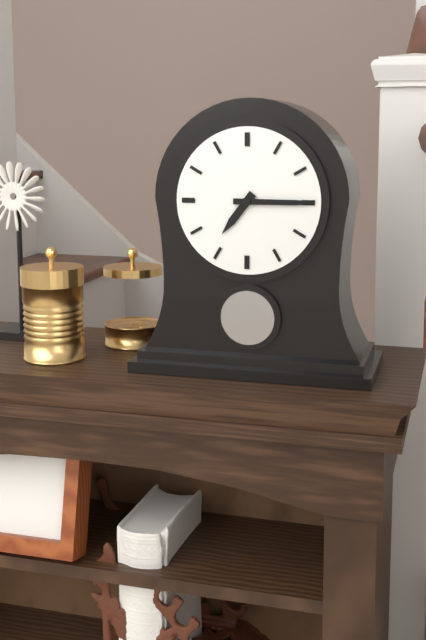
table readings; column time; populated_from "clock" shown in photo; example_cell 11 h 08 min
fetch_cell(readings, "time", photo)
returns 7 h 15 min
